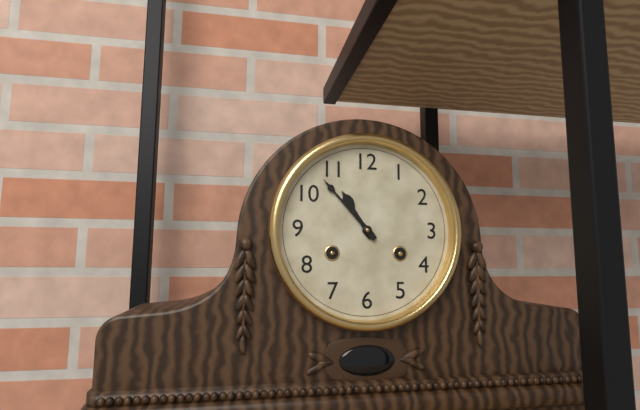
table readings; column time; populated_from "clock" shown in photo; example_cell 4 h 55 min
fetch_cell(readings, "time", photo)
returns 10 h 53 min
